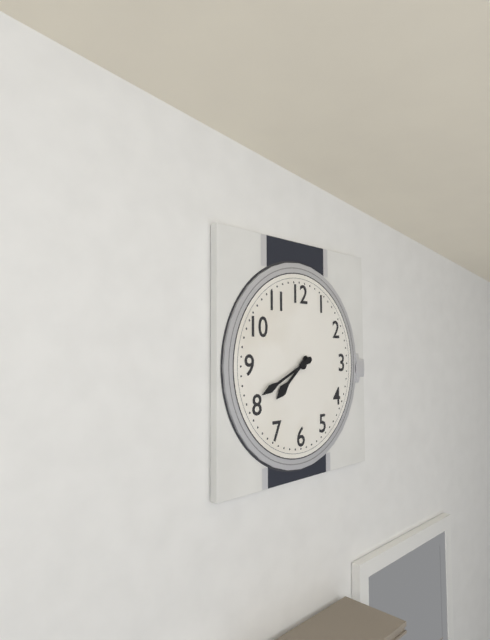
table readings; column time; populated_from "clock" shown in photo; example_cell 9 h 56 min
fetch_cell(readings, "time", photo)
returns 7 h 41 min
